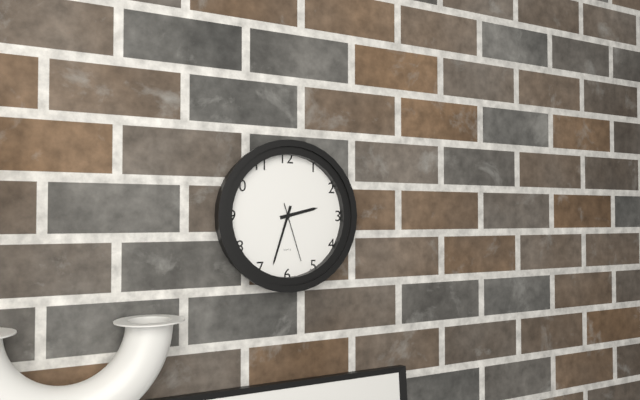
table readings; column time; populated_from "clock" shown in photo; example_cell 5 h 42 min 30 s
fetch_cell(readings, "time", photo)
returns 2 h 33 min 27 s
